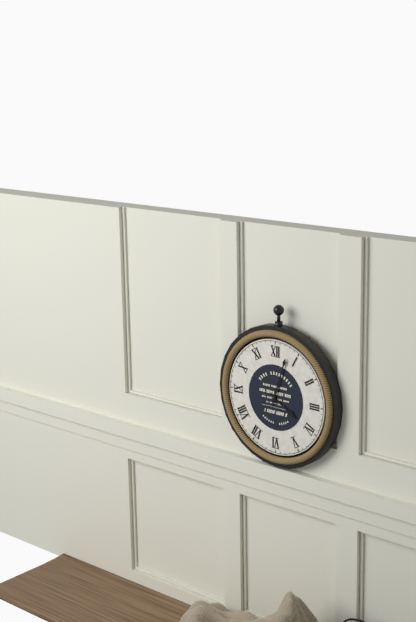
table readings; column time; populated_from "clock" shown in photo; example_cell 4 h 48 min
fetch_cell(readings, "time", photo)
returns 4 h 03 min
